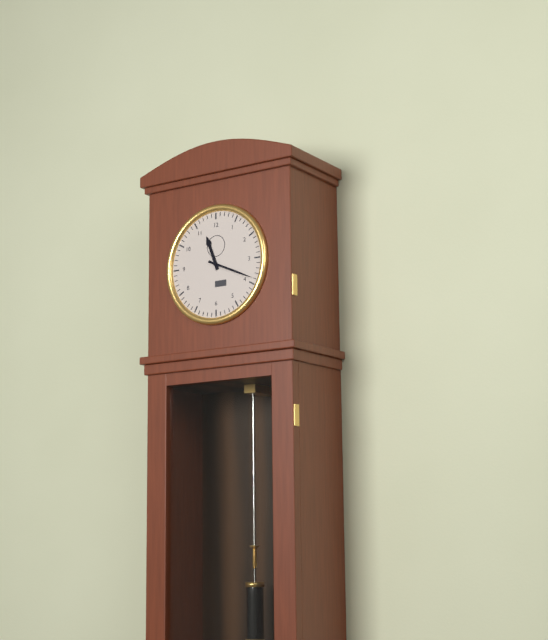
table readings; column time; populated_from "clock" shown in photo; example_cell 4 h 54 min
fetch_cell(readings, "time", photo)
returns 11 h 19 min
